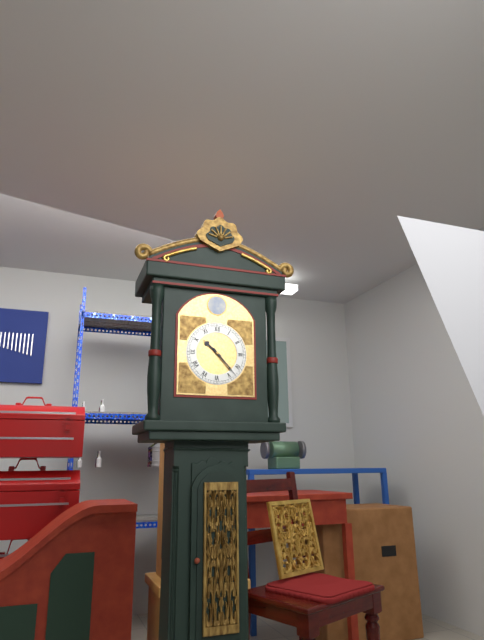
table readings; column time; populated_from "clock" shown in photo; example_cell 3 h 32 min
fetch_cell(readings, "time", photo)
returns 10 h 23 min
